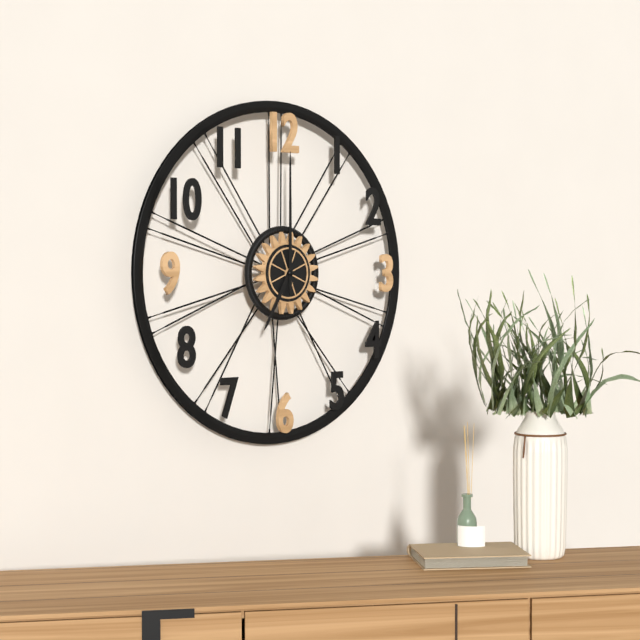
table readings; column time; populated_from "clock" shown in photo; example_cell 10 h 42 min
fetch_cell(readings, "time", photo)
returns 7 h 00 min
